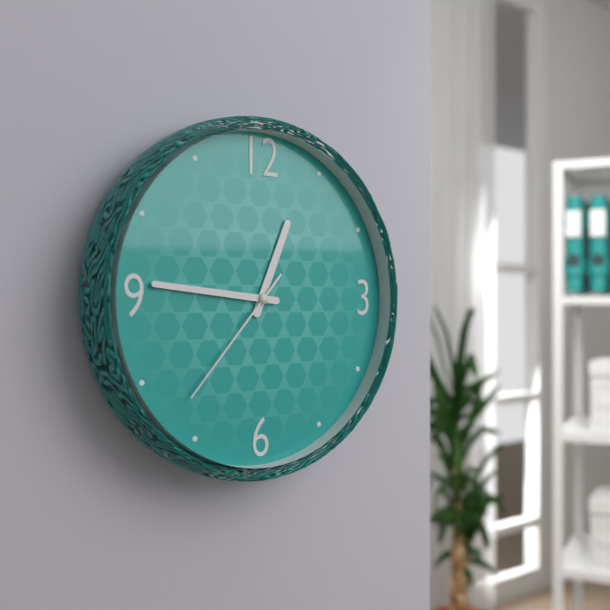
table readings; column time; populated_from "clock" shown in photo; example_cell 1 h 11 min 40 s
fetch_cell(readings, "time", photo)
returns 12 h 46 min 37 s
